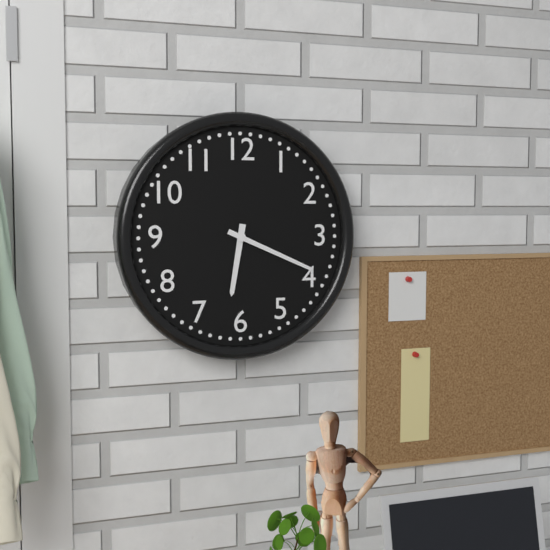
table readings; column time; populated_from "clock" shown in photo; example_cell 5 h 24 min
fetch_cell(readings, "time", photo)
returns 6 h 19 min
